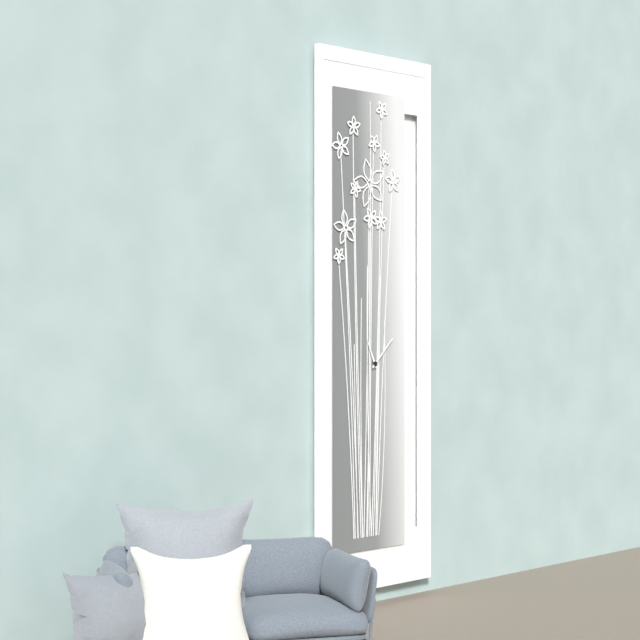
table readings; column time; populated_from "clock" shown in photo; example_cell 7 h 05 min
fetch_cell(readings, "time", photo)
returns 11 h 08 min
